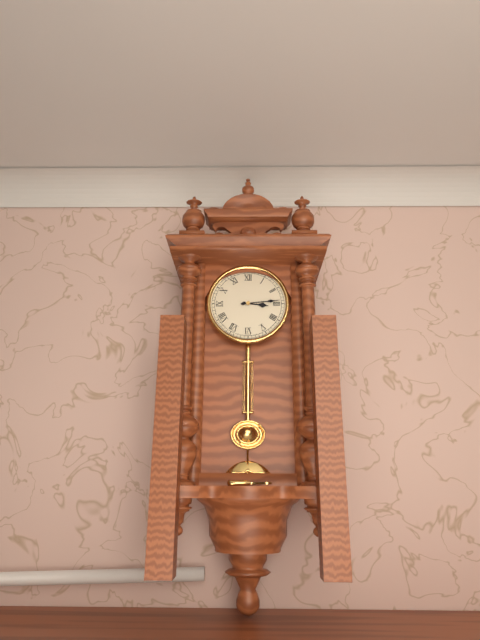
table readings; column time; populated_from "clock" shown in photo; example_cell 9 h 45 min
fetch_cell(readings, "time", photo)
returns 3 h 14 min
